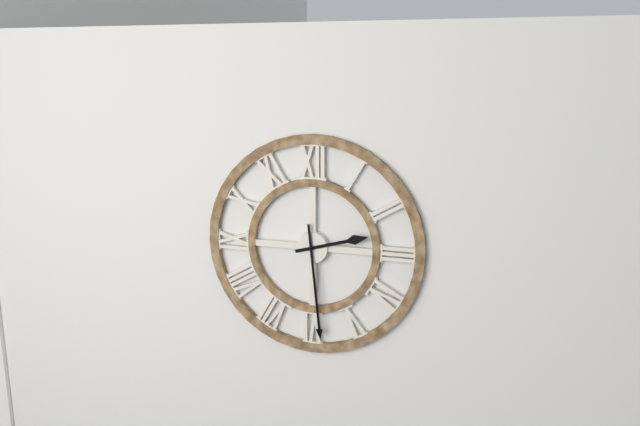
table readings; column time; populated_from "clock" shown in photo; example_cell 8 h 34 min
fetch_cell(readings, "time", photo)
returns 2 h 29 min
